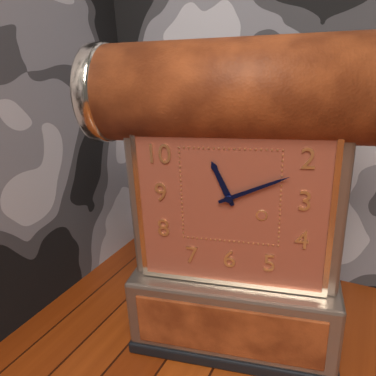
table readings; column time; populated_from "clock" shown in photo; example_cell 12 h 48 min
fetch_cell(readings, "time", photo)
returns 11 h 11 min
